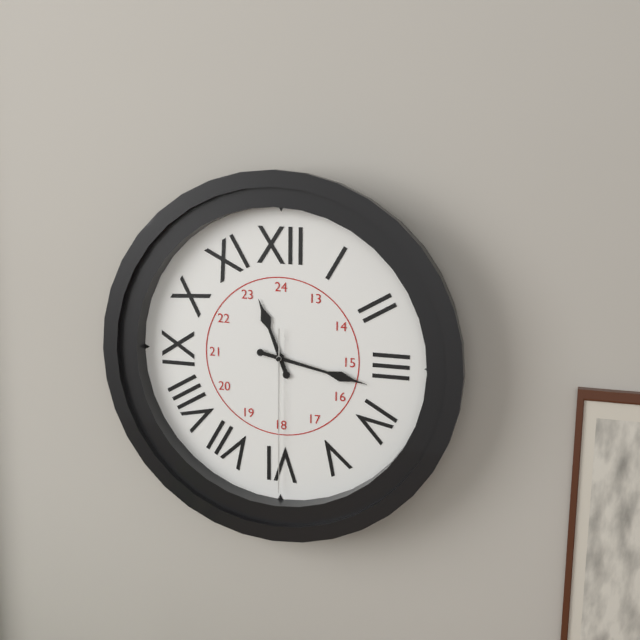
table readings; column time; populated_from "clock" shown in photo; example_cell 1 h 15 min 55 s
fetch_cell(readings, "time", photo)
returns 11 h 17 min 30 s
